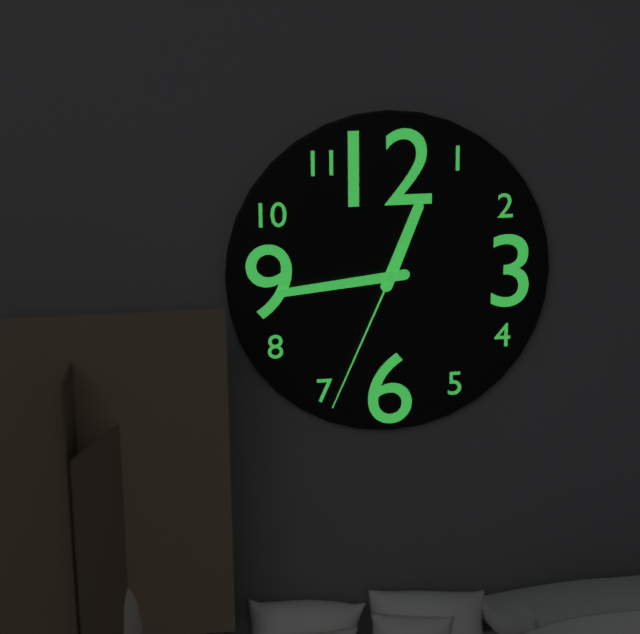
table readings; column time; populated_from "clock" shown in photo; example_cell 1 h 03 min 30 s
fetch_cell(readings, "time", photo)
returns 12 h 44 min 34 s
